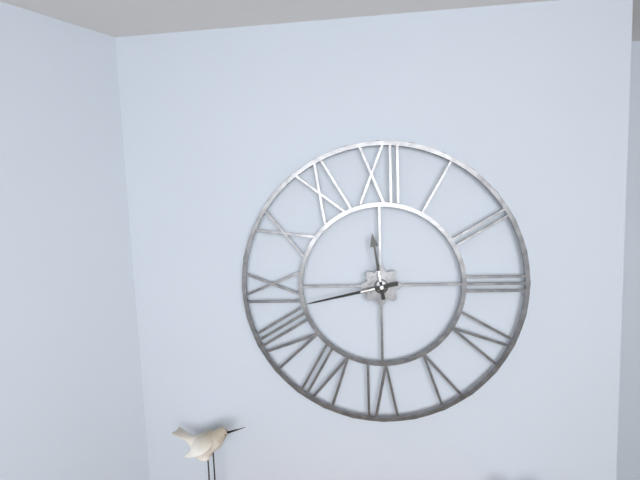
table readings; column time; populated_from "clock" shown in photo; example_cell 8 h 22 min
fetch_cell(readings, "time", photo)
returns 11 h 43 min
